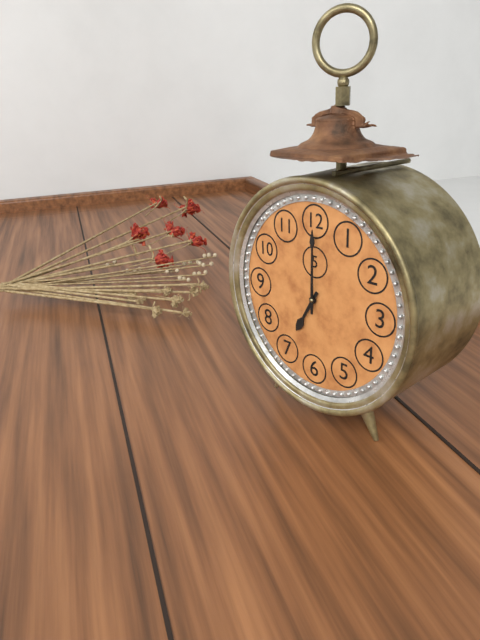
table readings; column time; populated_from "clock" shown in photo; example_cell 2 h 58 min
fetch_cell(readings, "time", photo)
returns 7 h 00 min
